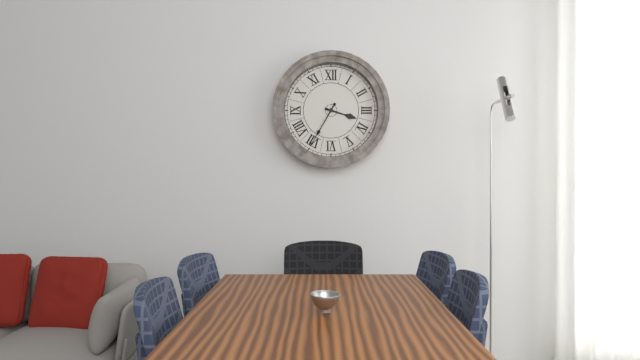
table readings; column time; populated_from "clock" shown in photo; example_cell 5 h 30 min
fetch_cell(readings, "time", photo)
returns 3 h 35 min
